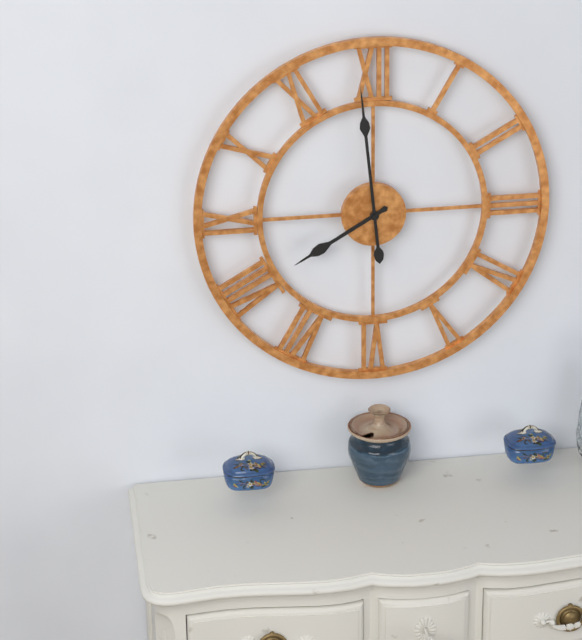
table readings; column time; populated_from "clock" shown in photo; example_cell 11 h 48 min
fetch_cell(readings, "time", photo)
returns 7 h 59 min
